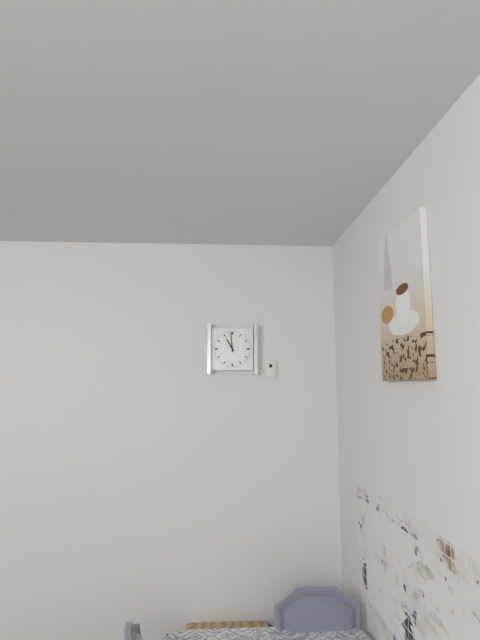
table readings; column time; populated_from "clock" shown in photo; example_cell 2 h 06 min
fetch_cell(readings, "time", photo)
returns 10 h 59 min
